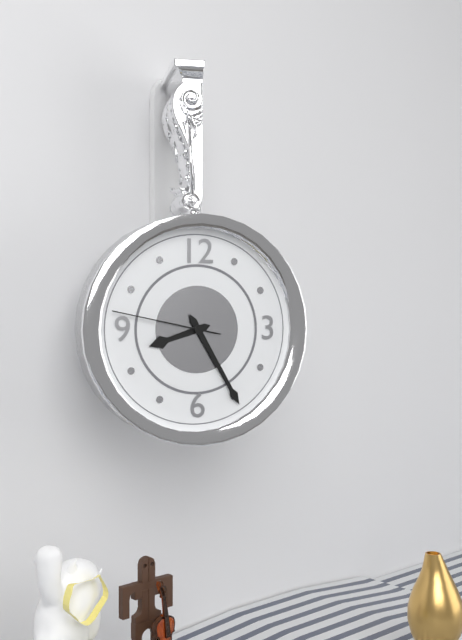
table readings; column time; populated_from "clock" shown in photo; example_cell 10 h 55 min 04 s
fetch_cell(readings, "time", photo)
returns 8 h 25 min 47 s
